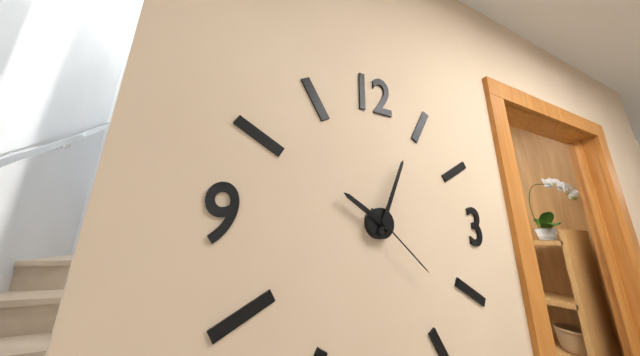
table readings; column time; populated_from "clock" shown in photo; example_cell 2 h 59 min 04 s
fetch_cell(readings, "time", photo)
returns 10 h 04 min 22 s
